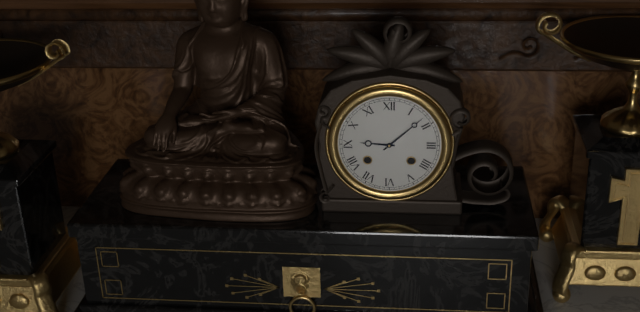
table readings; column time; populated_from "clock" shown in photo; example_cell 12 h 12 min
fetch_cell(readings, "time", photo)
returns 9 h 08 min
